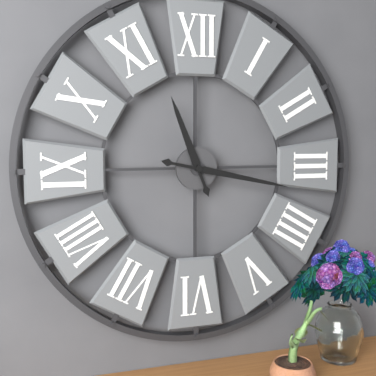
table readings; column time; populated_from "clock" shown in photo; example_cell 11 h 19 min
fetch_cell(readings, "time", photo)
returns 11 h 17 min
